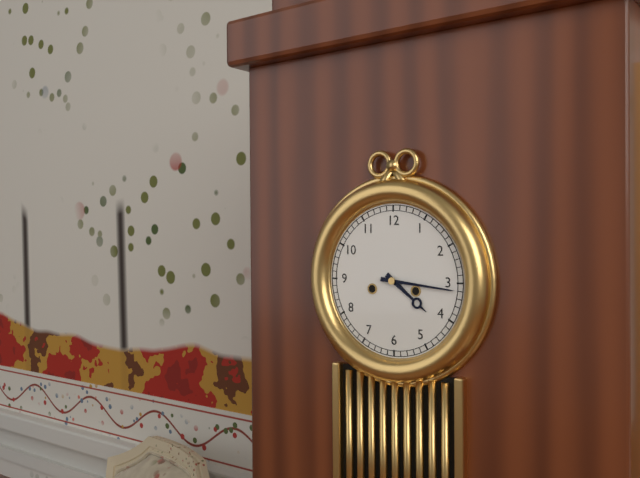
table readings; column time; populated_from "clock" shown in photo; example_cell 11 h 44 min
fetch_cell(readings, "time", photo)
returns 4 h 16 min
